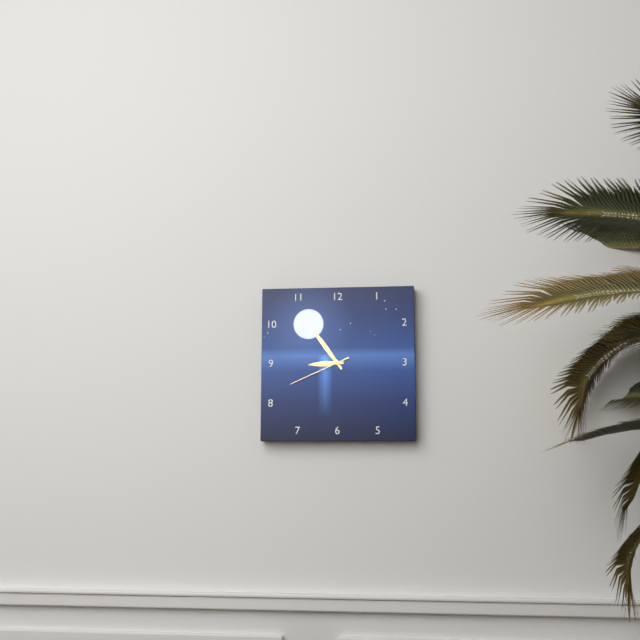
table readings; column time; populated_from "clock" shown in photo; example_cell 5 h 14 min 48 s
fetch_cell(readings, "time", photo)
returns 8 h 54 min 41 s
